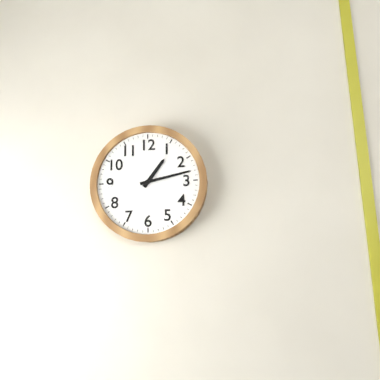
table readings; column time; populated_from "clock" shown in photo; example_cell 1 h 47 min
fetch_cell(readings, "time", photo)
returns 1 h 13 min
